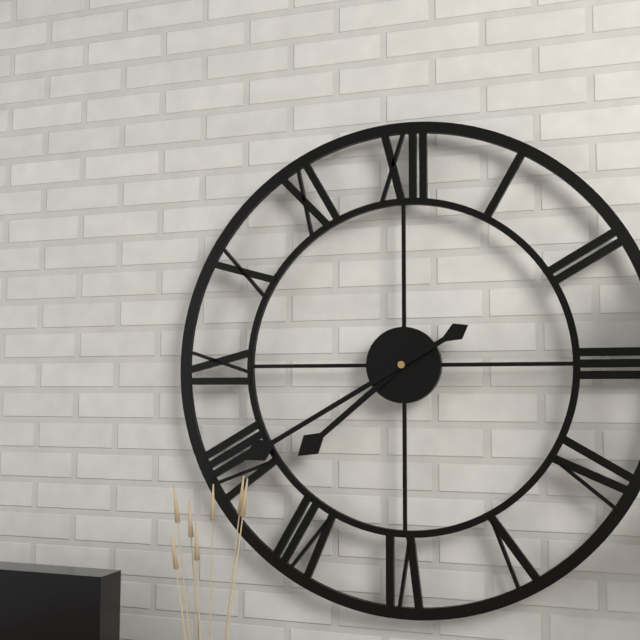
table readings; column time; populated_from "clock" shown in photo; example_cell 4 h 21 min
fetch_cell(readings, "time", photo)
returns 7 h 40 min
